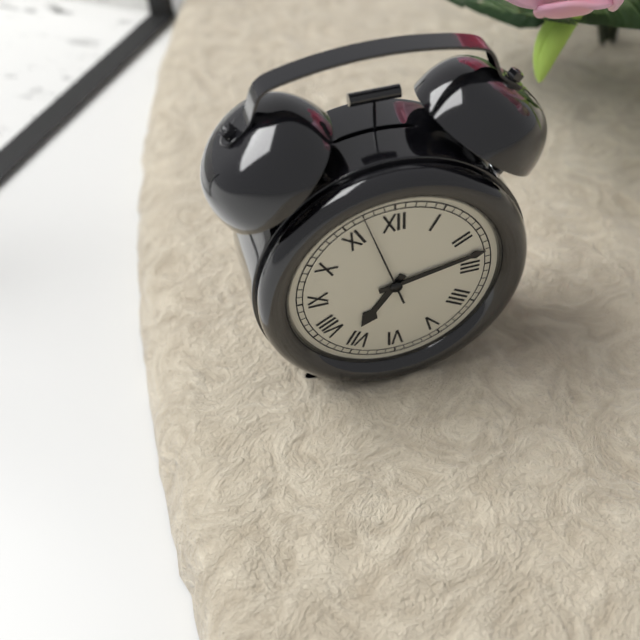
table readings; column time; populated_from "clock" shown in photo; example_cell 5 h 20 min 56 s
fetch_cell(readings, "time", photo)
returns 7 h 13 min 57 s
